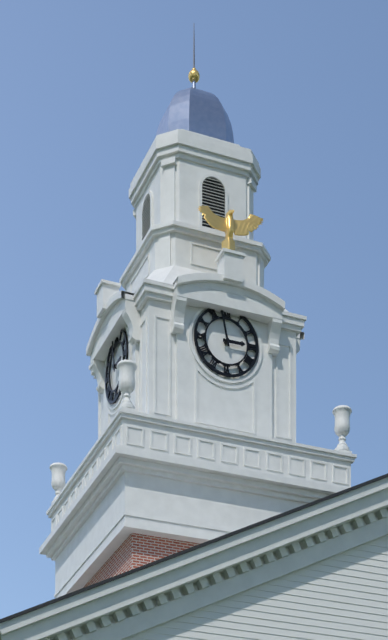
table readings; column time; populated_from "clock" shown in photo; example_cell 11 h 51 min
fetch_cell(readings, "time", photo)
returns 2 h 58 min
